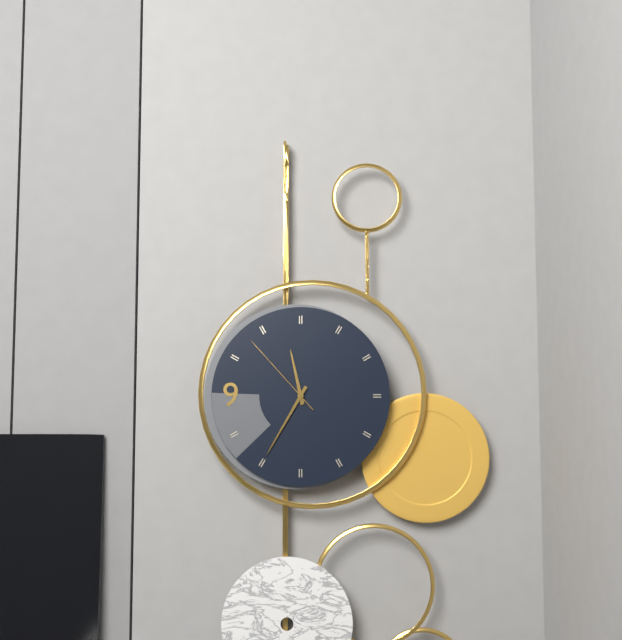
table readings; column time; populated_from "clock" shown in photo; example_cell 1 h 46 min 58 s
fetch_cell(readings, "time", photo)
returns 11 h 35 min 53 s
